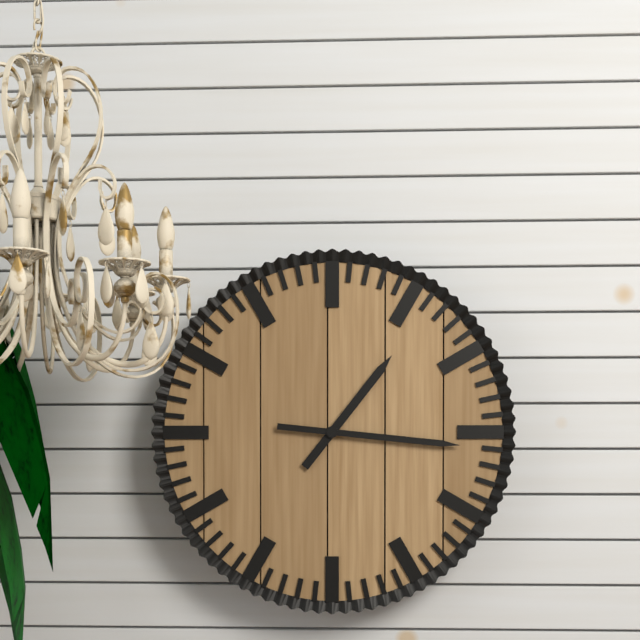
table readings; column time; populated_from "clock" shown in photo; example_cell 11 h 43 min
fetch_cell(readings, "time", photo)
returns 1 h 16 min
